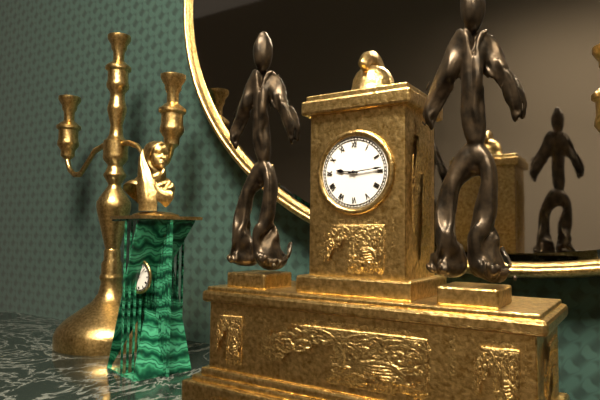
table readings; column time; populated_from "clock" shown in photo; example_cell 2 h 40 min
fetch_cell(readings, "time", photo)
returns 9 h 14 min
